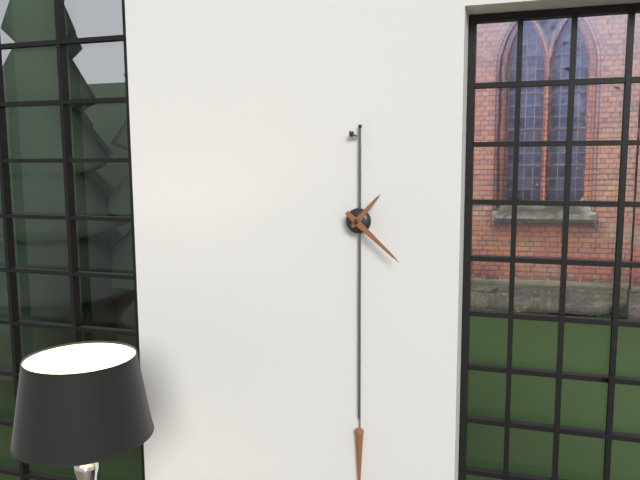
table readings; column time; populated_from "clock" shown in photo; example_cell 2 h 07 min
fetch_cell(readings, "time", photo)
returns 1 h 22 min
